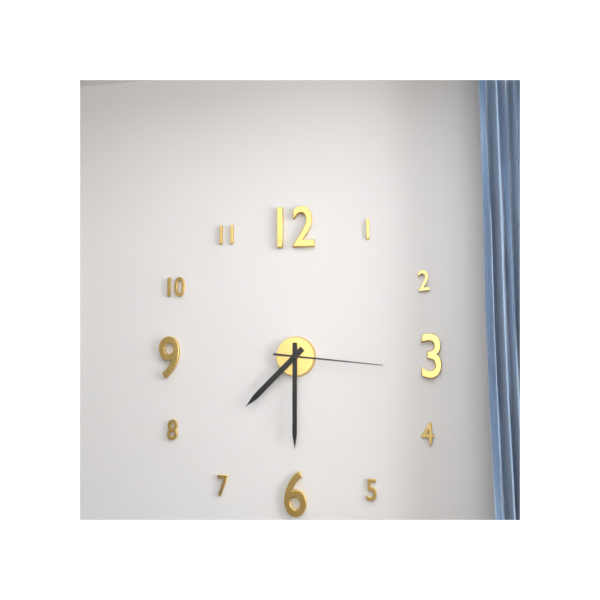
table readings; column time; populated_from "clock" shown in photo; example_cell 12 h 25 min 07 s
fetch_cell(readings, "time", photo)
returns 7 h 30 min 16 s
